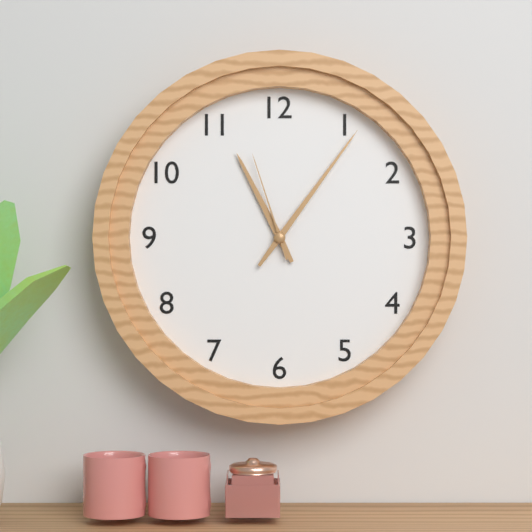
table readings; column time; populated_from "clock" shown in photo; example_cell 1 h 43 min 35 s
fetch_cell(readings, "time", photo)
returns 11 h 06 min 57 s
